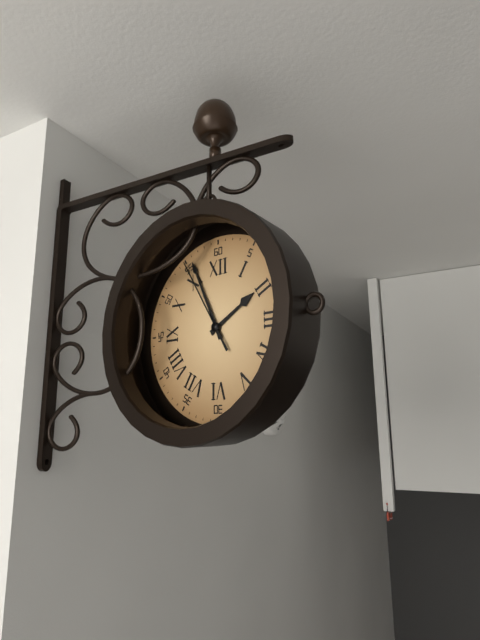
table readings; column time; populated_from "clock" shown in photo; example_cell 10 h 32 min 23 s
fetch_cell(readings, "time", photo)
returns 1 h 56 min 55 s
